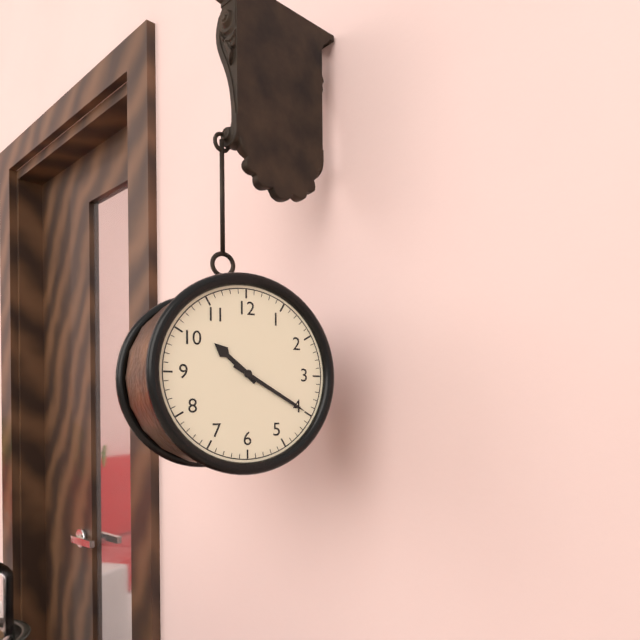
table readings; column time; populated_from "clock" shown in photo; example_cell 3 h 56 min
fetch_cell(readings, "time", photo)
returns 10 h 20 min
